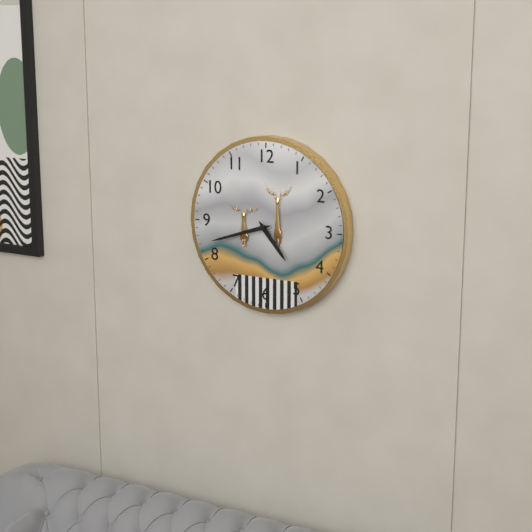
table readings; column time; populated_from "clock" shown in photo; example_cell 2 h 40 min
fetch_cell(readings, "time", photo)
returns 4 h 42 min
